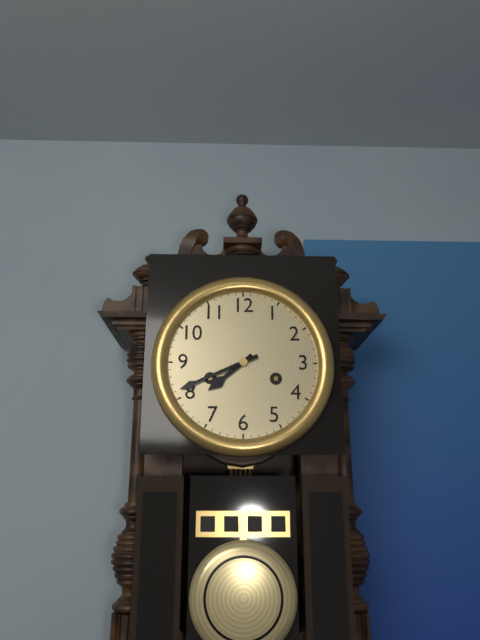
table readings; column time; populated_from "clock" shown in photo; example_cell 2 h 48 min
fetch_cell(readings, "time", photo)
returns 7 h 41 min
